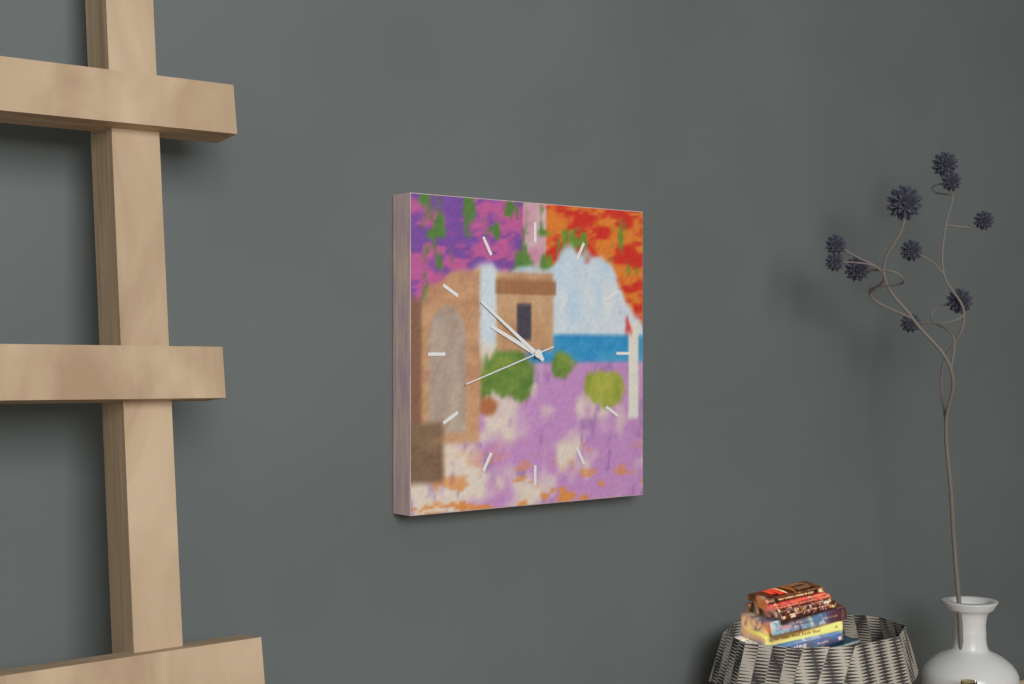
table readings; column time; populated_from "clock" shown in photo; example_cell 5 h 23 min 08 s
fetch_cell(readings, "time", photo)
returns 9 h 51 min 42 s
